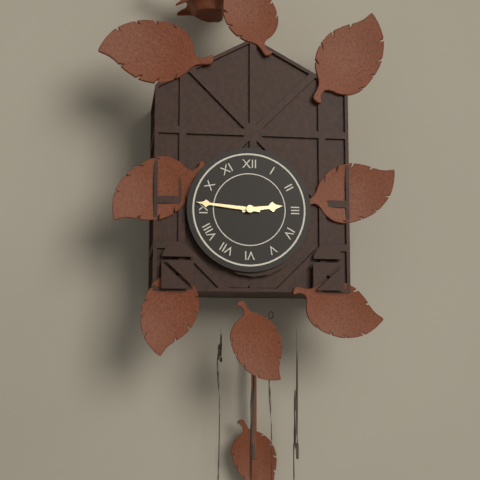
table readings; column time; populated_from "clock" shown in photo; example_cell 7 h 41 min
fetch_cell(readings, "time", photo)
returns 2 h 46 min
